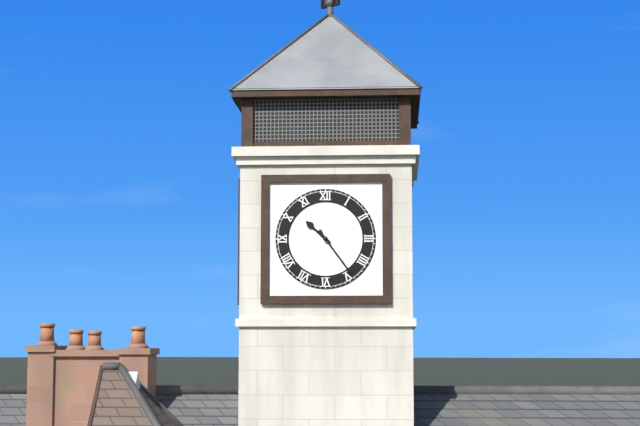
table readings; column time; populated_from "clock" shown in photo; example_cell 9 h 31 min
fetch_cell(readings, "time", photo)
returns 10 h 24 min
